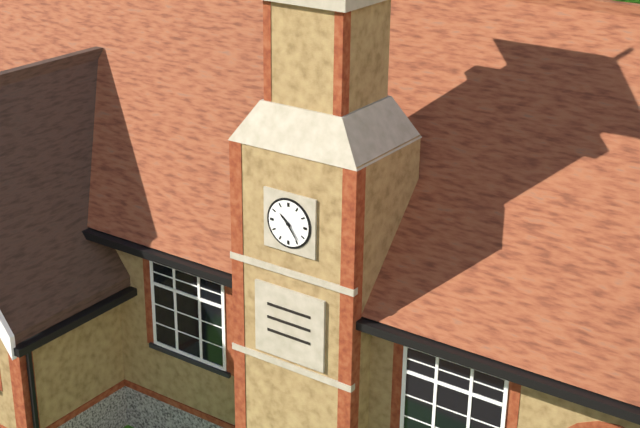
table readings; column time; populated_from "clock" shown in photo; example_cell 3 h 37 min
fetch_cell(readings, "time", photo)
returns 10 h 24 min
